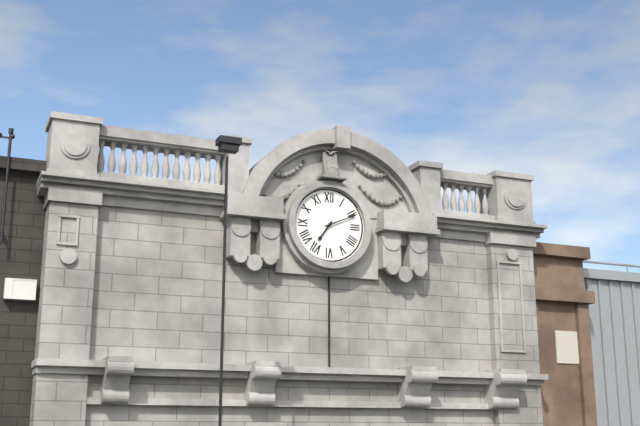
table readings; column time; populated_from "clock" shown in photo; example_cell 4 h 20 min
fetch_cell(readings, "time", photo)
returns 7 h 11 min
